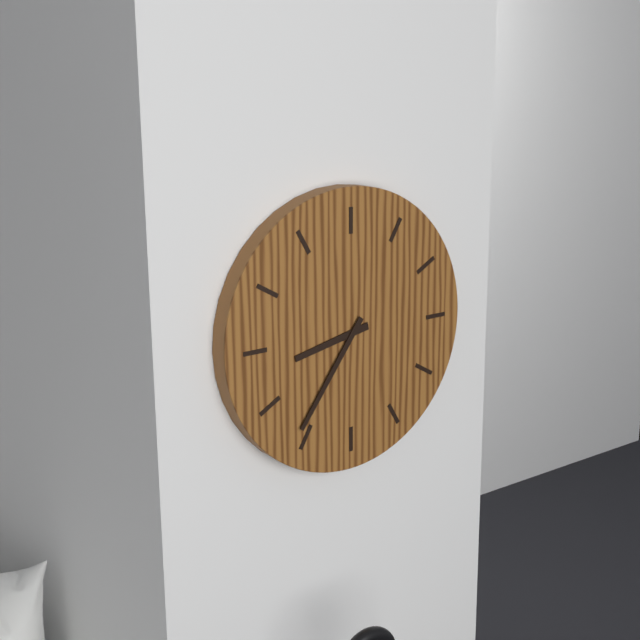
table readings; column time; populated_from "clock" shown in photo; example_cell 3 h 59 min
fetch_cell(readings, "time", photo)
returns 8 h 36 min
